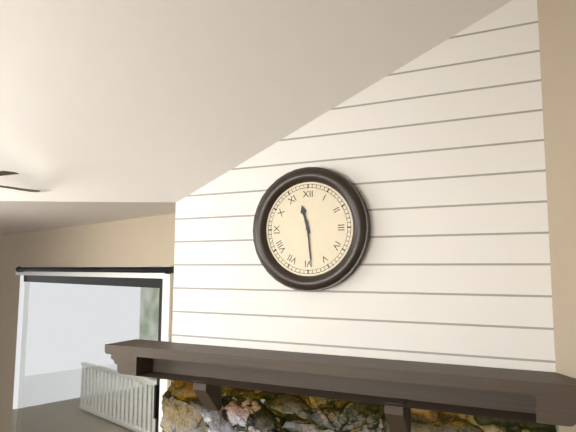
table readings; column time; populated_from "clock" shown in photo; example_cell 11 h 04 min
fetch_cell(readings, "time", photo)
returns 11 h 29 min
